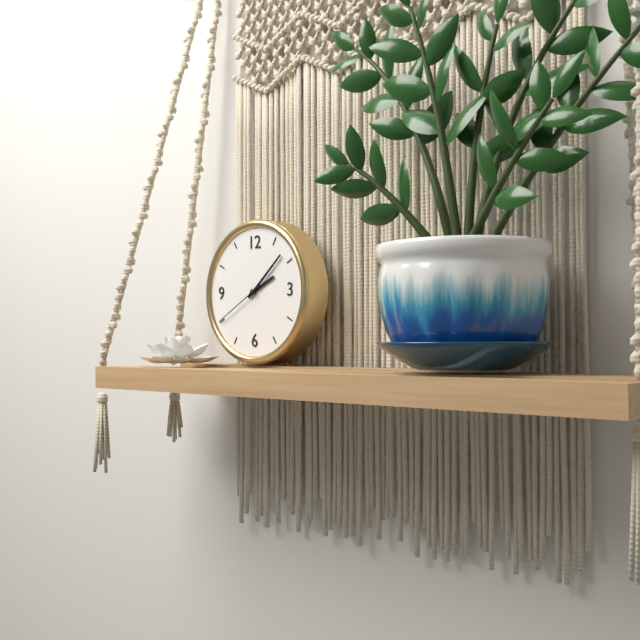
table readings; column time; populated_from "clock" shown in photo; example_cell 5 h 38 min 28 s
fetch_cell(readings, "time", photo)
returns 2 h 08 min 40 s
